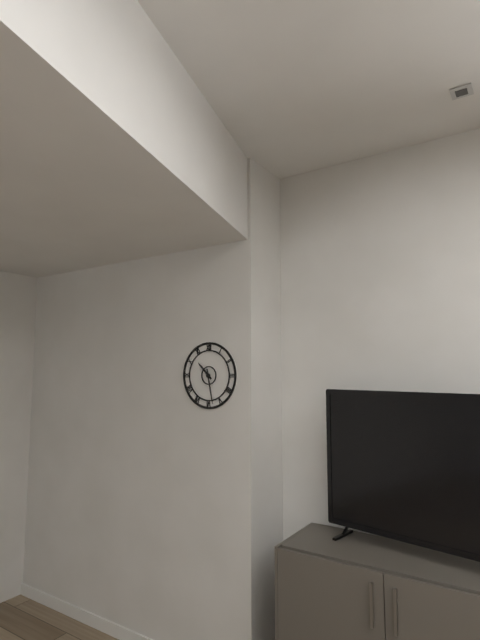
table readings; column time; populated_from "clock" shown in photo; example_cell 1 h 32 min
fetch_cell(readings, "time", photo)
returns 10 h 28 min
